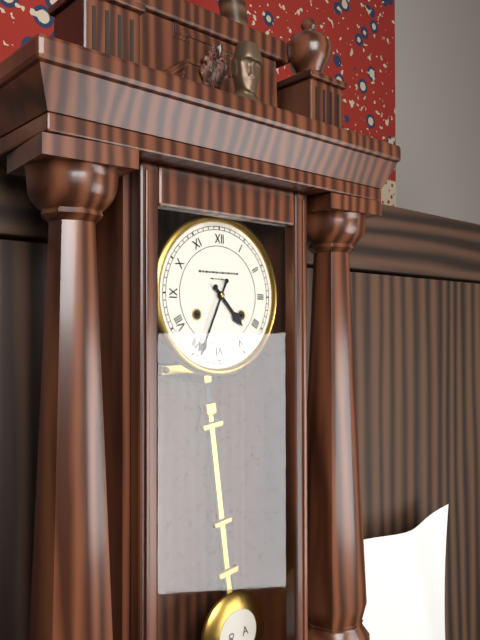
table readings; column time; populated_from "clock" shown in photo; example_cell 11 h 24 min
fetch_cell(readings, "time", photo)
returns 4 h 34 min
